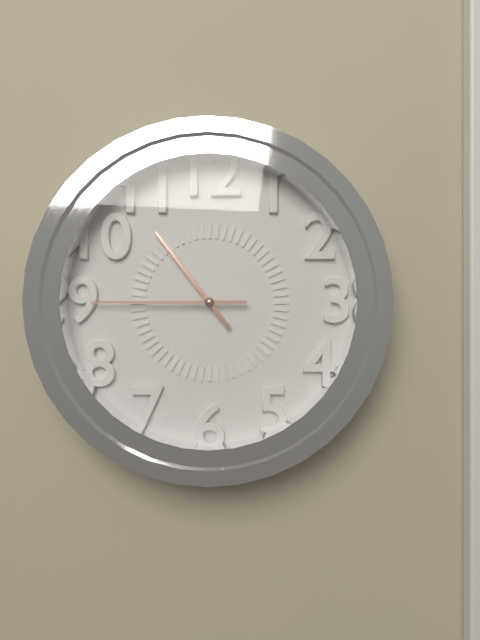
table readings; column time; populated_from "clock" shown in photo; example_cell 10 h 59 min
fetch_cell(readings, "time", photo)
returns 10 h 45 min
